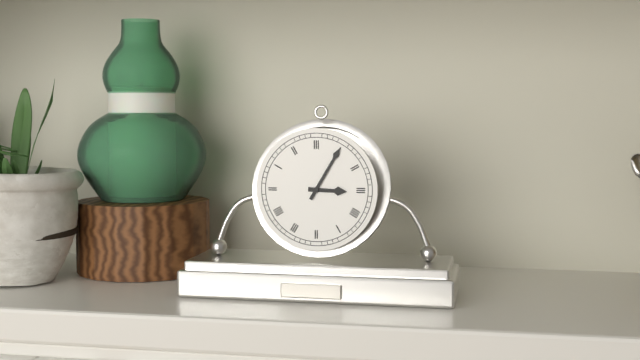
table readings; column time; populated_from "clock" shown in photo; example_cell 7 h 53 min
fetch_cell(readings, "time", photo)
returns 3 h 05 min
